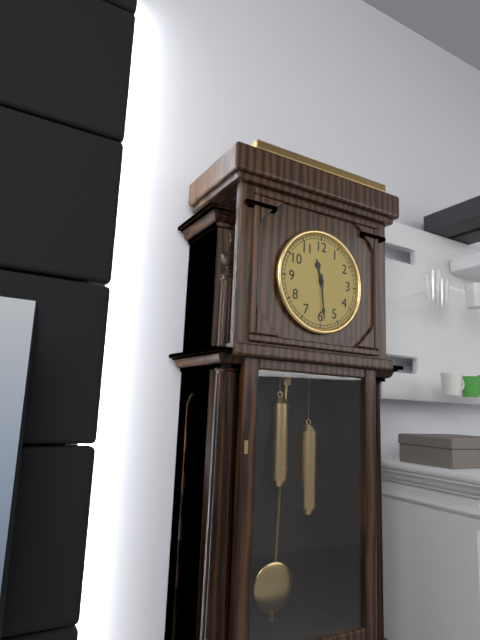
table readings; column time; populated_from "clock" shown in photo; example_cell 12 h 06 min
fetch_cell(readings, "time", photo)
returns 11 h 29 min
